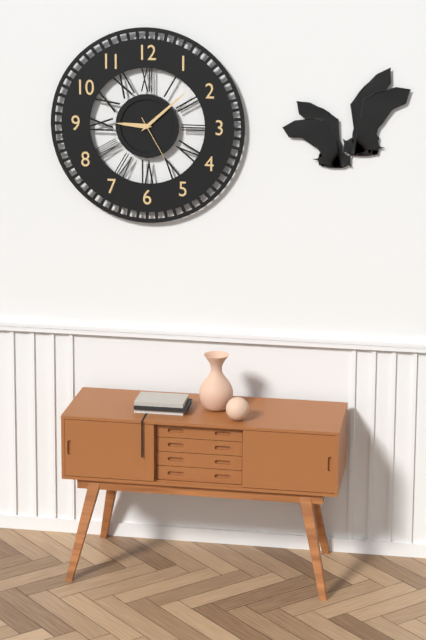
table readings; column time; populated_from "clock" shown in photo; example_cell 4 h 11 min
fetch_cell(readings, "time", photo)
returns 9 h 08 min
